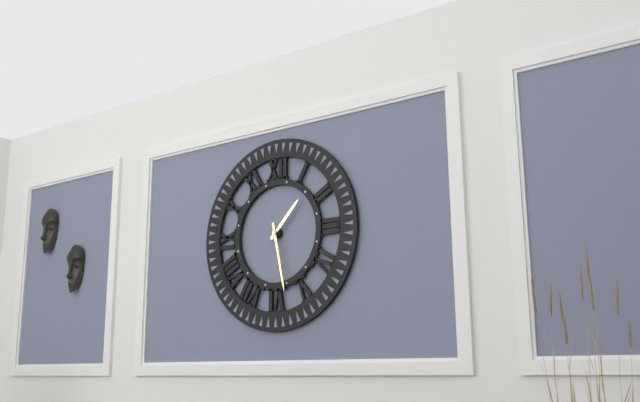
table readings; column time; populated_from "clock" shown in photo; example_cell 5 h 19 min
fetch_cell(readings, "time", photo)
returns 1 h 28 min
